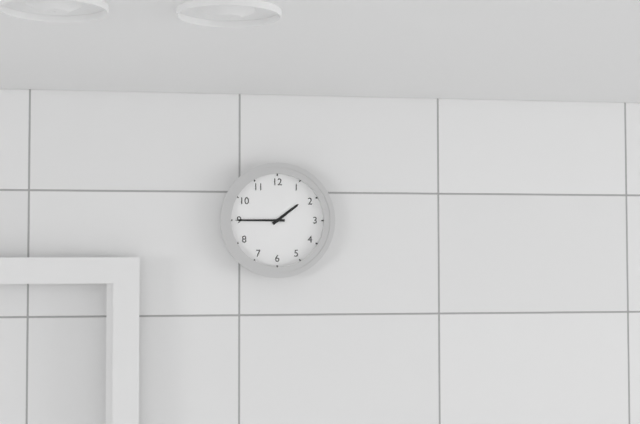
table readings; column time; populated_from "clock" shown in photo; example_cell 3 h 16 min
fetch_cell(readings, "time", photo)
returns 1 h 45 min
